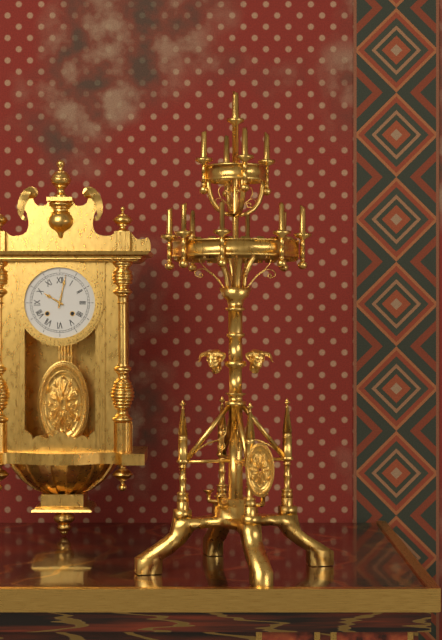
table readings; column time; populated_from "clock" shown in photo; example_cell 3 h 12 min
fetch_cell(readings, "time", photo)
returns 10 h 02 min
